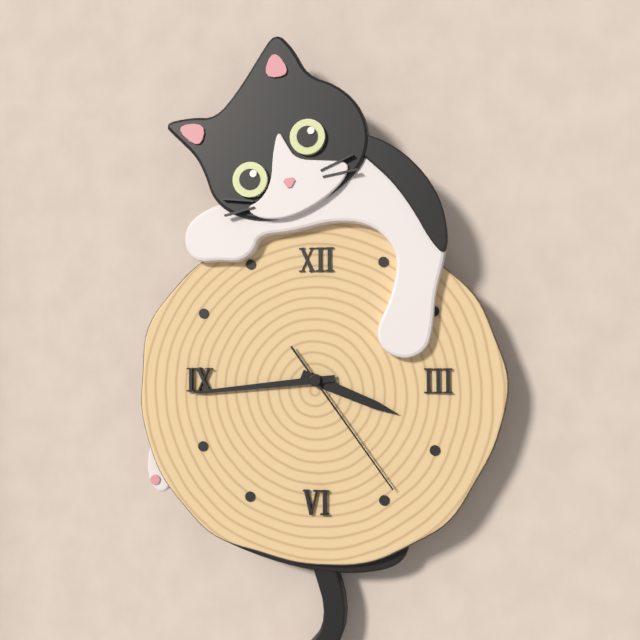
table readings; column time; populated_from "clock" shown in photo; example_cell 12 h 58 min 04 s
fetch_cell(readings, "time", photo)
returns 3 h 44 min 24 s
